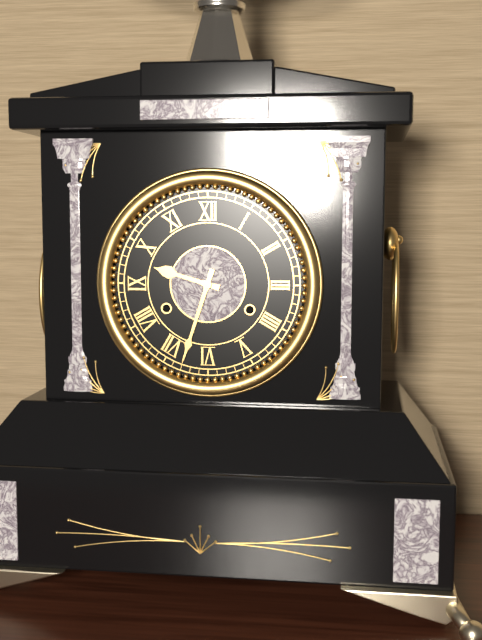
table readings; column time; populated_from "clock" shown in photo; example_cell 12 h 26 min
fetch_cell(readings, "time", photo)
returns 9 h 33 min
